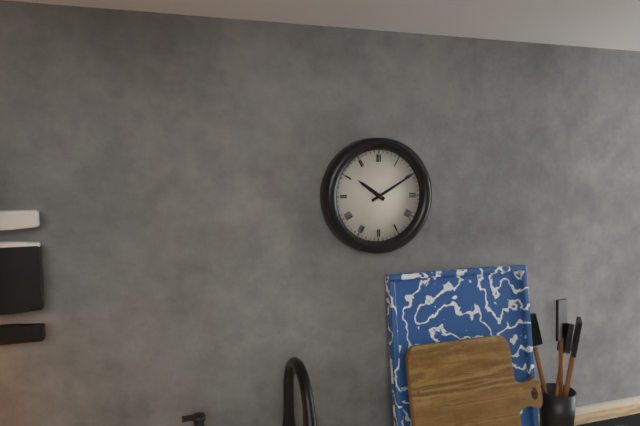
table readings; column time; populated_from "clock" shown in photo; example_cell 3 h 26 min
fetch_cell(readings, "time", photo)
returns 10 h 10 min
